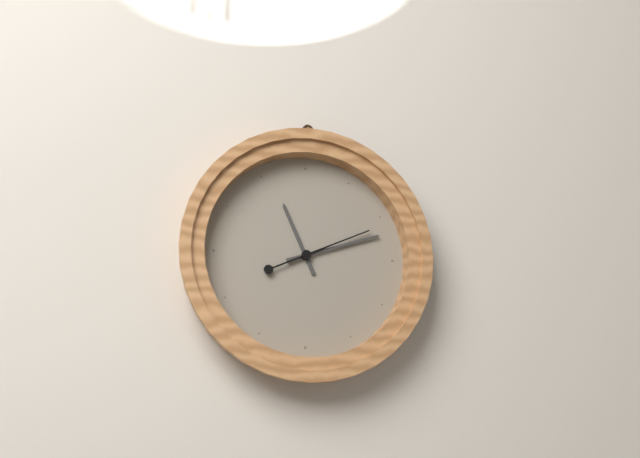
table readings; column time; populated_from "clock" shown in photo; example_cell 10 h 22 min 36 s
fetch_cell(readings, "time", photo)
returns 11 h 12 min 11 s
